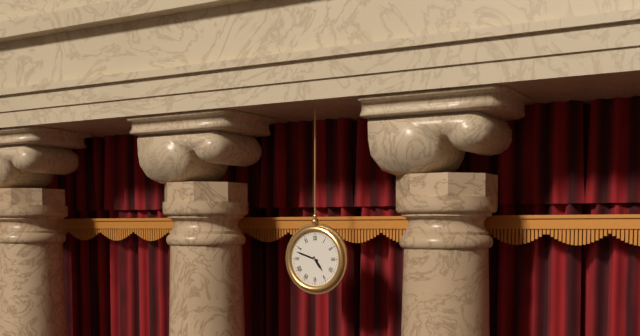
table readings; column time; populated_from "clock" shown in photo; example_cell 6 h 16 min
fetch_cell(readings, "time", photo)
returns 4 h 48 min
